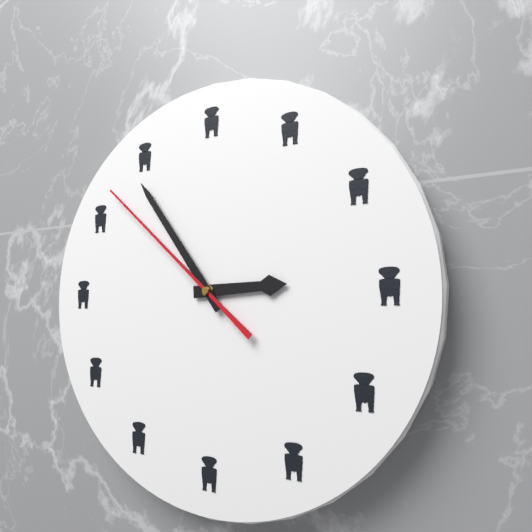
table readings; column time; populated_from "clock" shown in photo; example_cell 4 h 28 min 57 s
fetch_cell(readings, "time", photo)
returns 2 h 54 min 52 s
